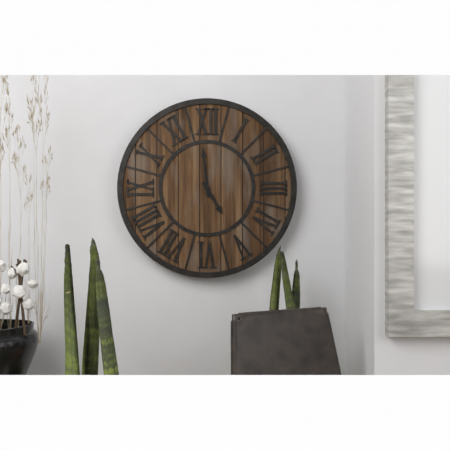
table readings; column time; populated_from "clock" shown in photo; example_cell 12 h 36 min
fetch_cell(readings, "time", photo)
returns 4 h 59 min
